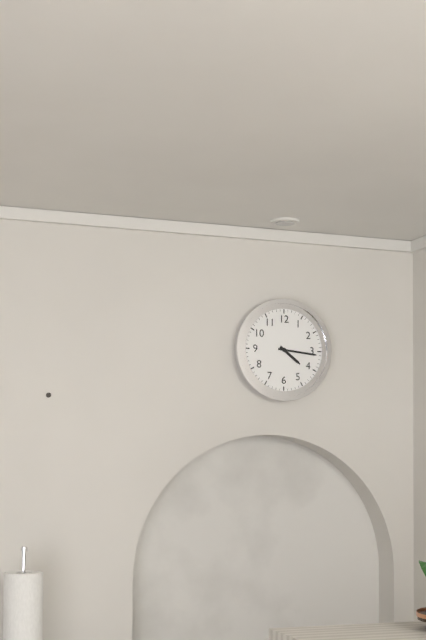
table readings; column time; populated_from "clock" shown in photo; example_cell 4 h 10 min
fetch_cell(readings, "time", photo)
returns 4 h 16 min
